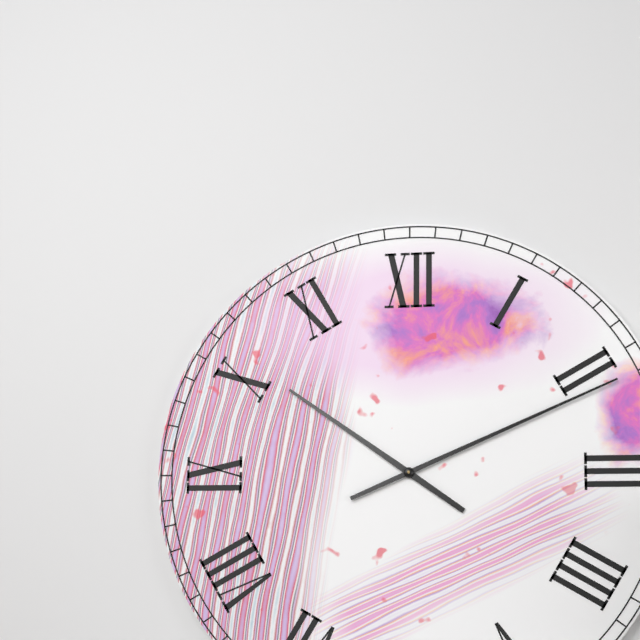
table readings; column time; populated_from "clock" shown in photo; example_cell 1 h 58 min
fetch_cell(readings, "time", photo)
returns 10 h 11 min
